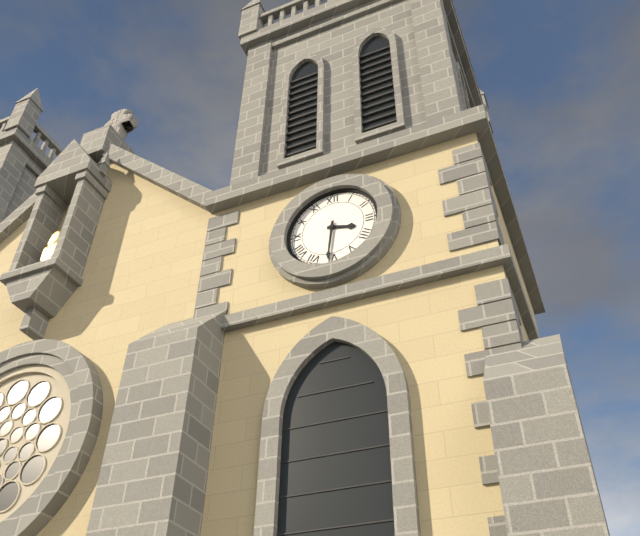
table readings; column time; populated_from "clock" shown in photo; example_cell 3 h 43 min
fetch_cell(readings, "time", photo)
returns 3 h 31 min
